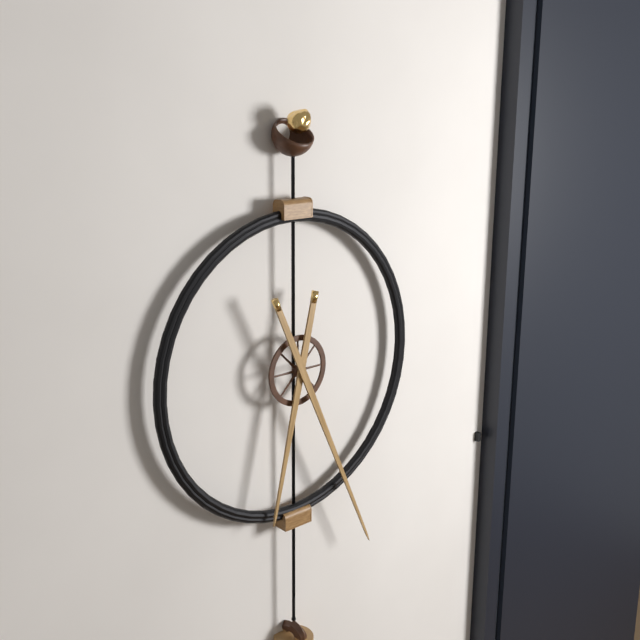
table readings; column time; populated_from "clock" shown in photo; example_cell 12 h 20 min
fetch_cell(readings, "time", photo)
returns 6 h 26 min
